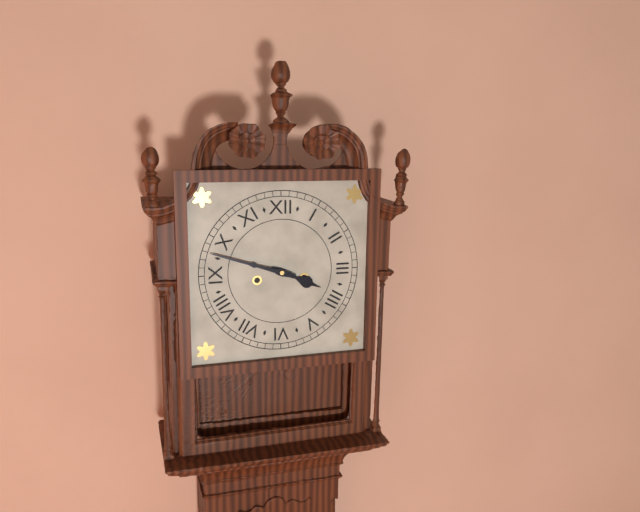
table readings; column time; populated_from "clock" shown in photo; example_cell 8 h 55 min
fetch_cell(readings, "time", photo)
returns 3 h 48 min
